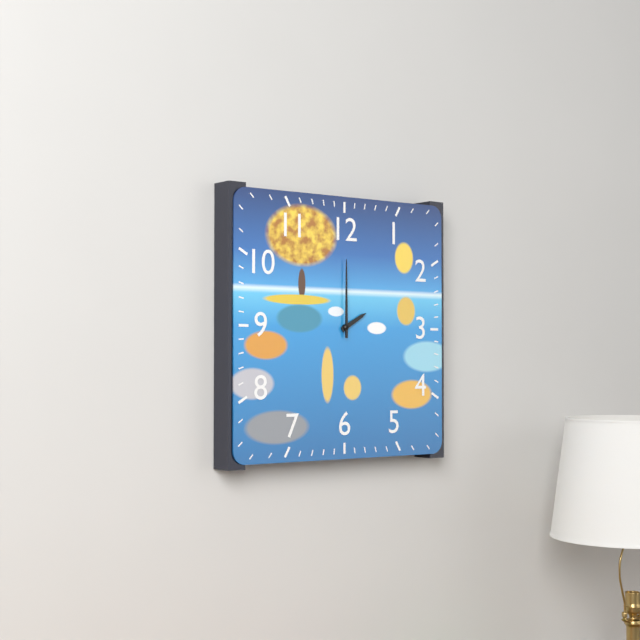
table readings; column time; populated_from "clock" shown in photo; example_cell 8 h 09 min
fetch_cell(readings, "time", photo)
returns 2 h 00 min
